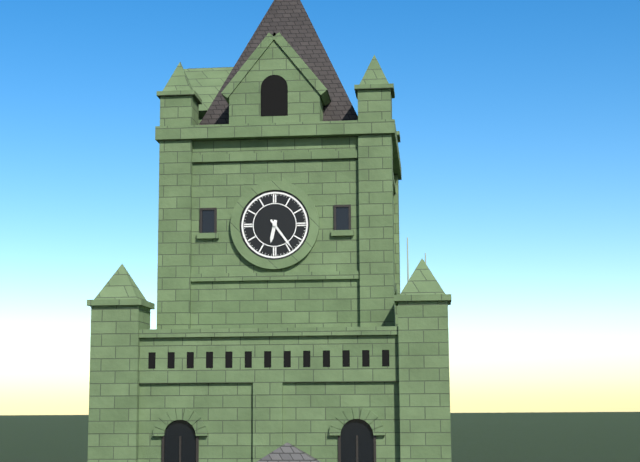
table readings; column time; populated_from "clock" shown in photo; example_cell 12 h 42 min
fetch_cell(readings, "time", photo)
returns 6 h 24 min
